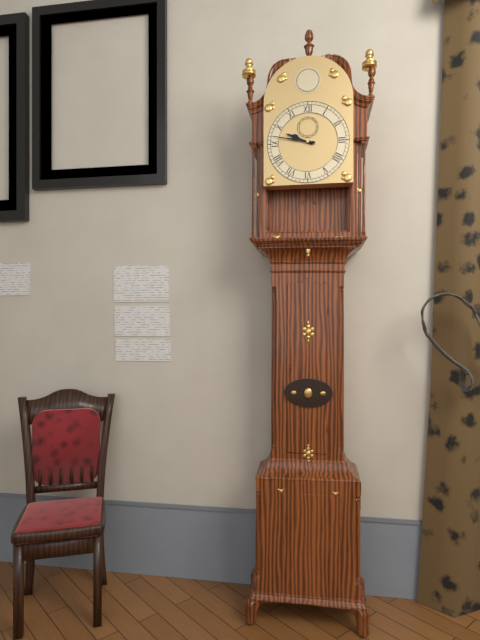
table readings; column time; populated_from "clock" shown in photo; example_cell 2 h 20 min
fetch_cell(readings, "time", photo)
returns 9 h 47 min
